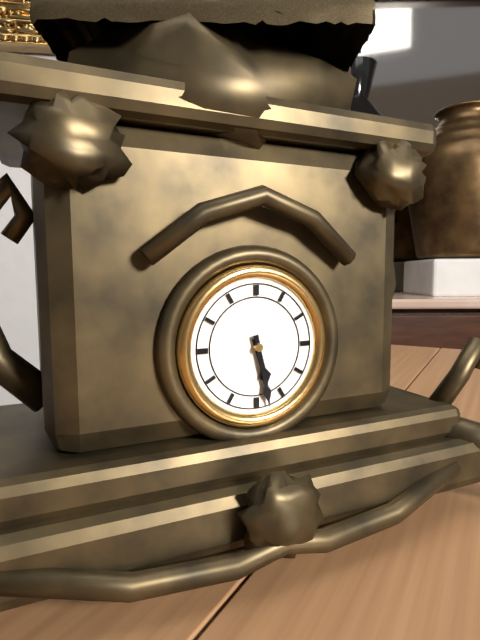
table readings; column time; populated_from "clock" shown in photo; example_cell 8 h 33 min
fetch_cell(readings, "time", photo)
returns 5 h 28 min
